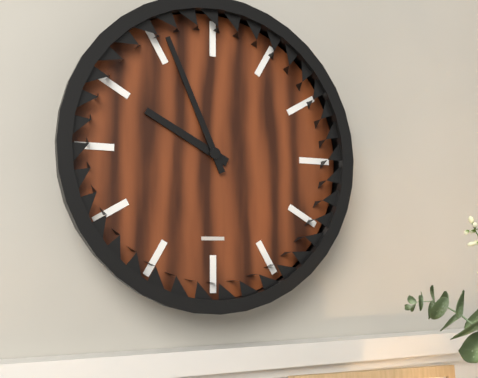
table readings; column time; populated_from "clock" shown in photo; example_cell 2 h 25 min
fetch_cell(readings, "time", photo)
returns 9 h 56 min
